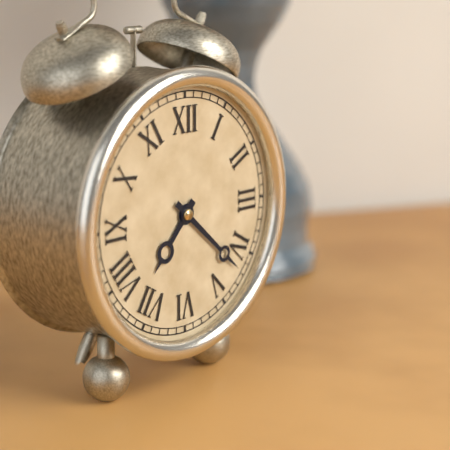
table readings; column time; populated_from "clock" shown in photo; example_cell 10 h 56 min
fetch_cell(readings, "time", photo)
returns 7 h 22 min
